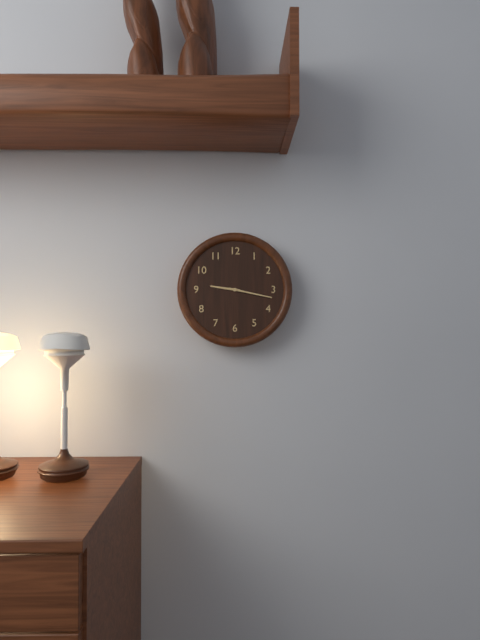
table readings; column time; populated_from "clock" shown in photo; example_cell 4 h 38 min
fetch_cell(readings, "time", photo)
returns 9 h 17 min
